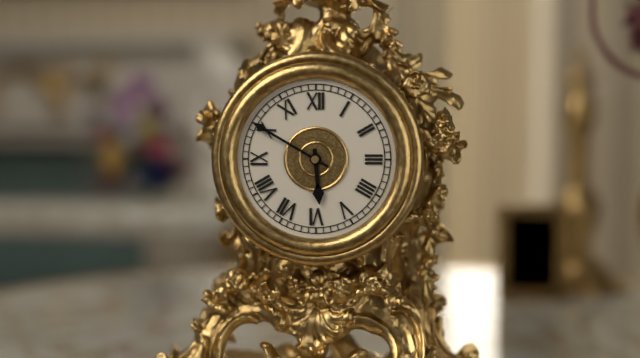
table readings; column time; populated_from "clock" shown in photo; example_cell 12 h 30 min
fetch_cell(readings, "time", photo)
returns 5 h 50 min
